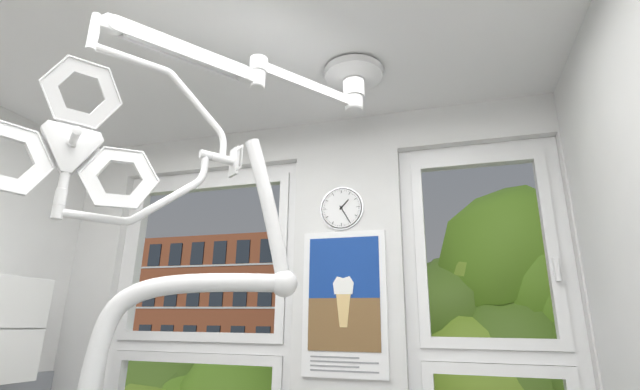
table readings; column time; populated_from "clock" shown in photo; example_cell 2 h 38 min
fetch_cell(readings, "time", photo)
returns 1 h 25 min
